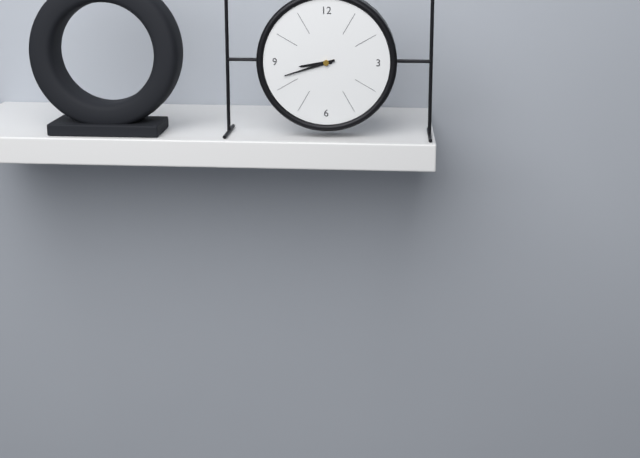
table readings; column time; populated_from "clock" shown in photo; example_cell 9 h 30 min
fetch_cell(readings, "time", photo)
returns 8 h 42 min
